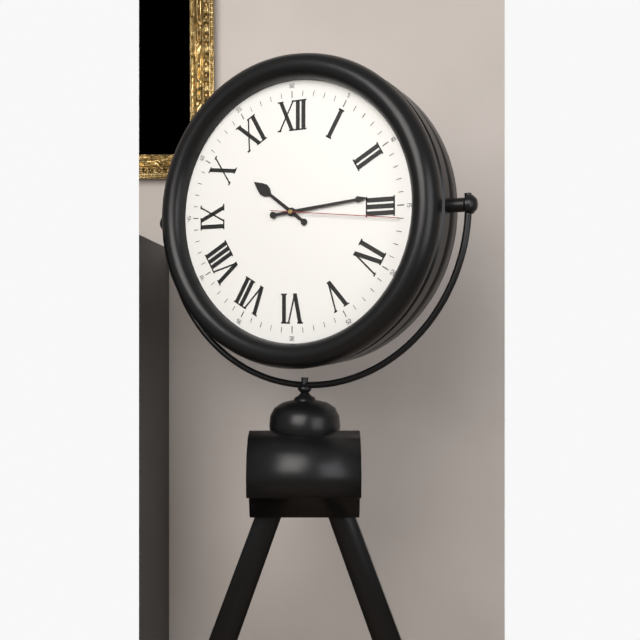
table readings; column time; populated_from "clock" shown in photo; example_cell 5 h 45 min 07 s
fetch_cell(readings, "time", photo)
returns 10 h 14 min 16 s
